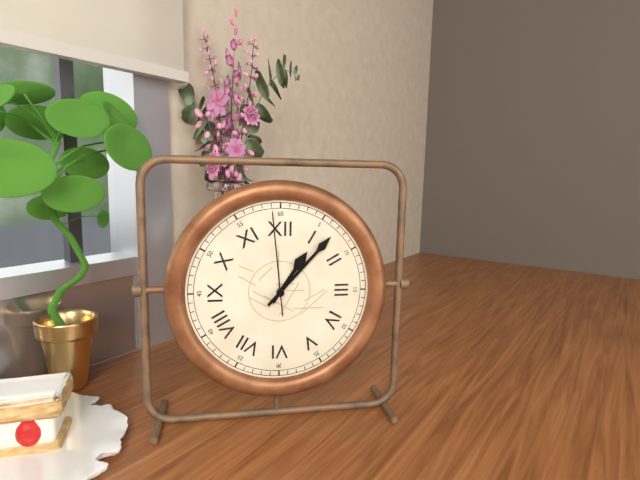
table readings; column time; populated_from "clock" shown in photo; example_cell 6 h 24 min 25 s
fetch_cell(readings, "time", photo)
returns 1 h 07 min 59 s
